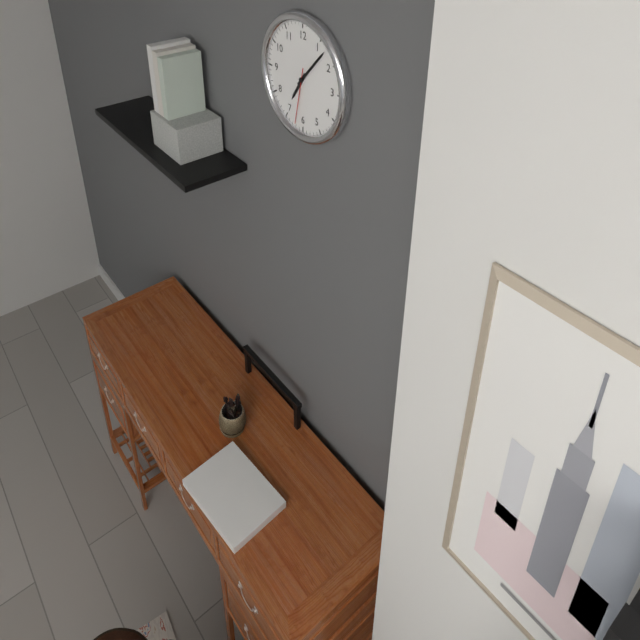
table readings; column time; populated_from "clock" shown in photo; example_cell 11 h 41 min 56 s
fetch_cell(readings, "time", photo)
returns 7 h 07 min 32 s
